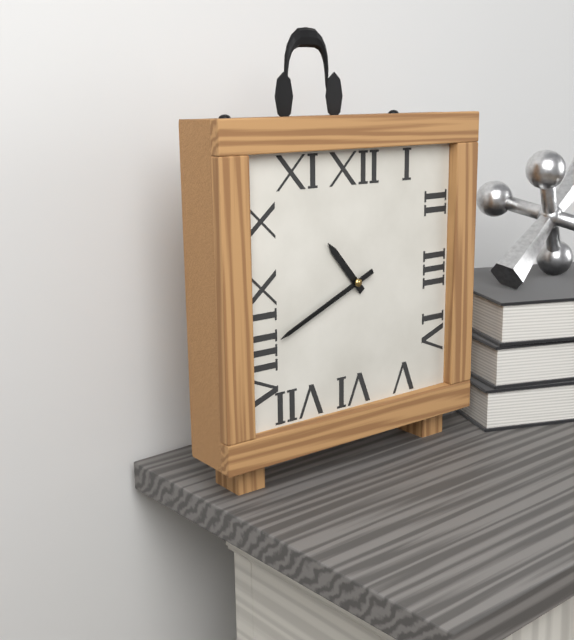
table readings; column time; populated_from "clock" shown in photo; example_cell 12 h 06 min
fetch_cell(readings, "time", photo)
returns 10 h 41 min
